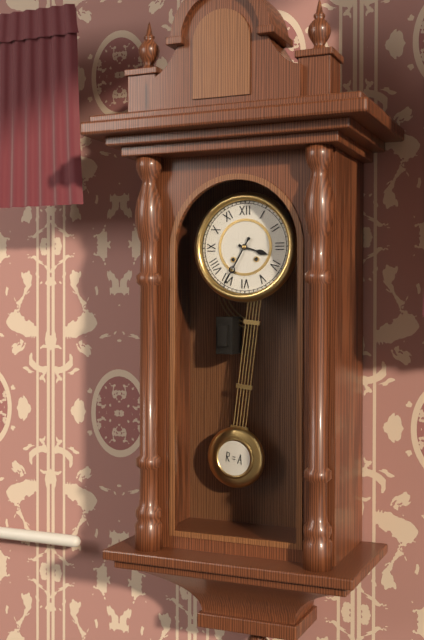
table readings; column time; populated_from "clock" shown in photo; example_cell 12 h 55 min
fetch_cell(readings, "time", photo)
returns 3 h 35 min
